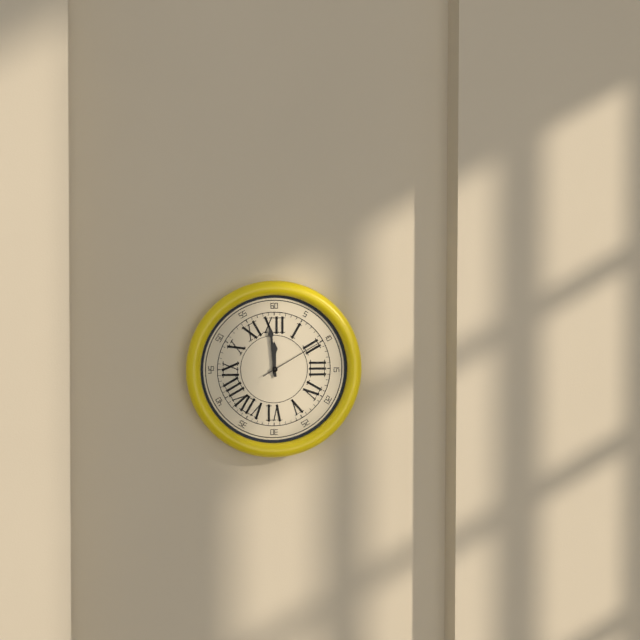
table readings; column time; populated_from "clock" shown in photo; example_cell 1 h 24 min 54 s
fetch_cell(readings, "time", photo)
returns 11 h 59 min 10 s
